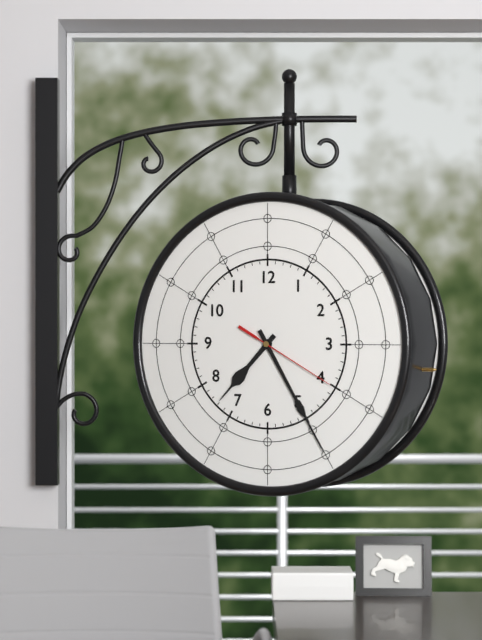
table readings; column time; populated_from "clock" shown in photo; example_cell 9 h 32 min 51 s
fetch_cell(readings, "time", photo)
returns 7 h 25 min 20 s
